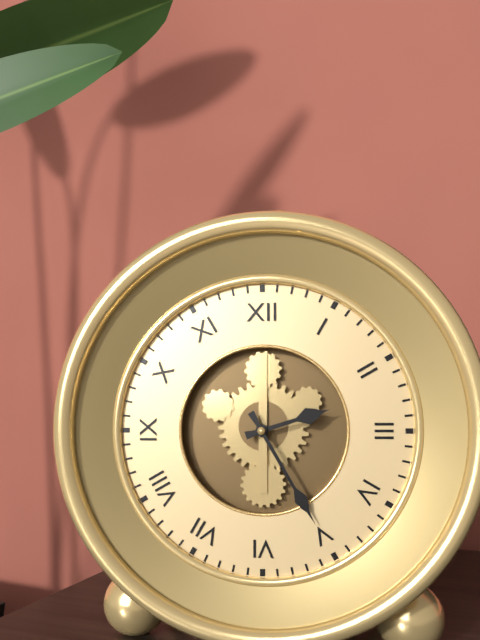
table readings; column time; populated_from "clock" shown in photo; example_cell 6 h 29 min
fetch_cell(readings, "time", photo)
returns 2 h 25 min
